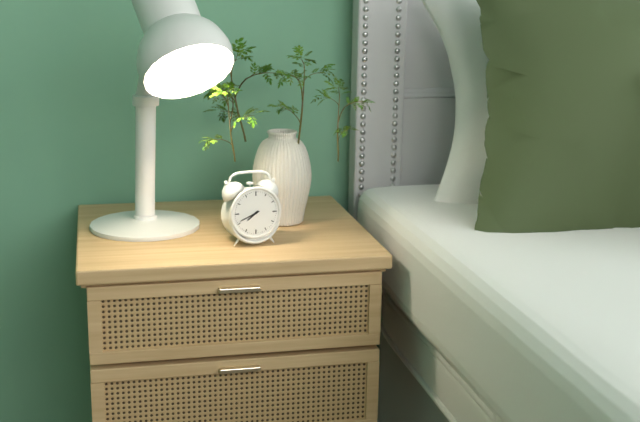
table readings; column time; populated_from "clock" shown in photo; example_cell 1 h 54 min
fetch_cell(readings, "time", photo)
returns 7 h 41 min
